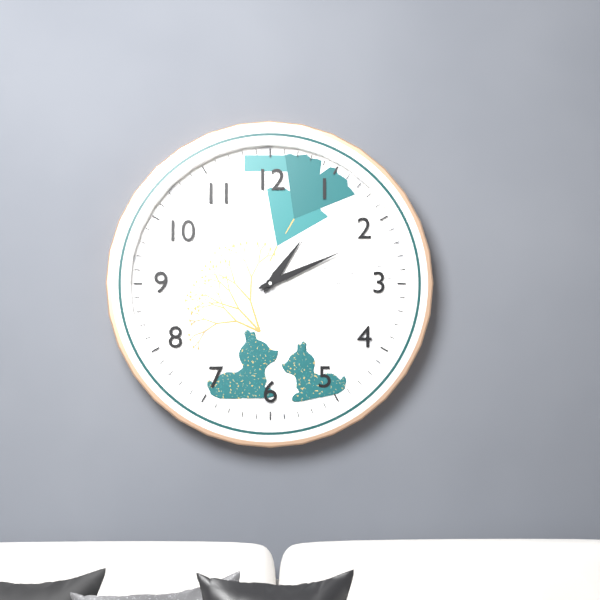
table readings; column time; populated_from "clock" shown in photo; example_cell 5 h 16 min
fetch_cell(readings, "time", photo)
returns 1 h 11 min
